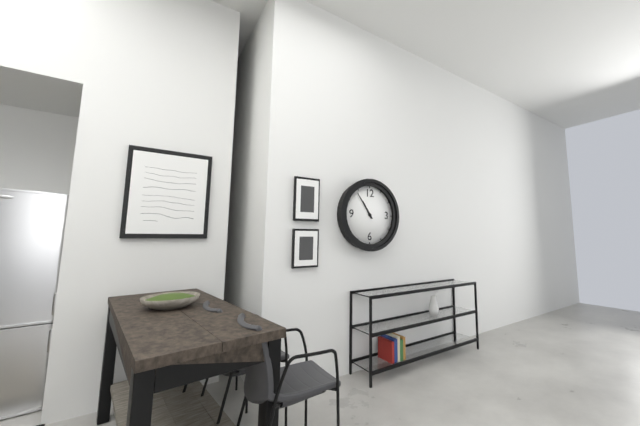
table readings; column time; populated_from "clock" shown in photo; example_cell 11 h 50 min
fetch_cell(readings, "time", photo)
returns 10 h 54 min
